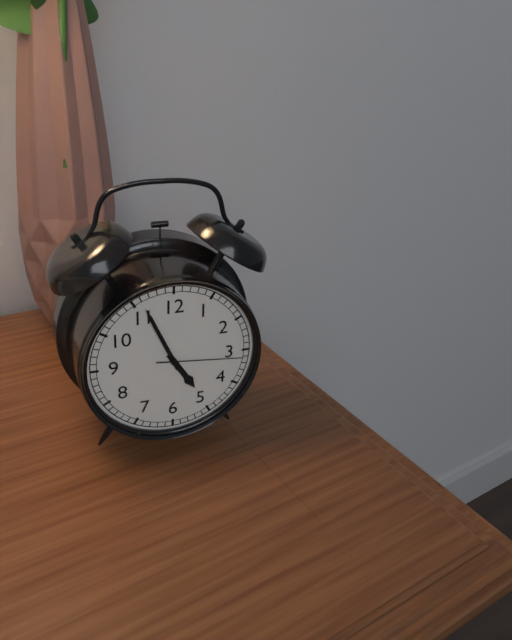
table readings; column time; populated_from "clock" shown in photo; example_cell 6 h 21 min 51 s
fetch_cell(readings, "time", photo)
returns 4 h 56 min 16 s
